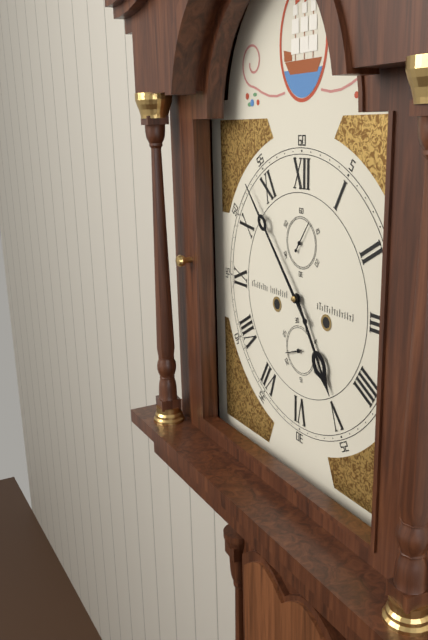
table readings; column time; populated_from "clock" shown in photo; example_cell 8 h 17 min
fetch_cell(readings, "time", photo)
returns 4 h 53 min
